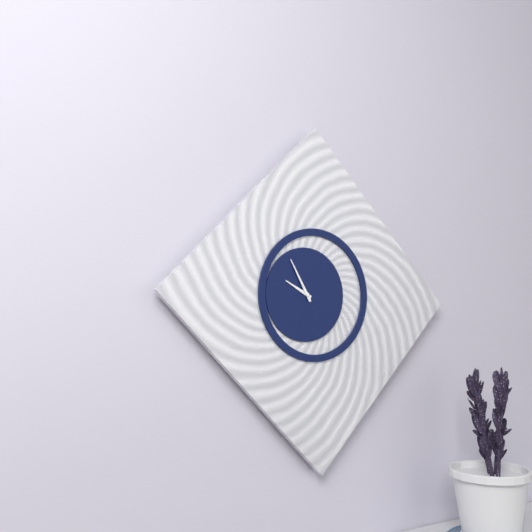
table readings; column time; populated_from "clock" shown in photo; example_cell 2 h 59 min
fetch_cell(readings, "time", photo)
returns 9 h 55 min
